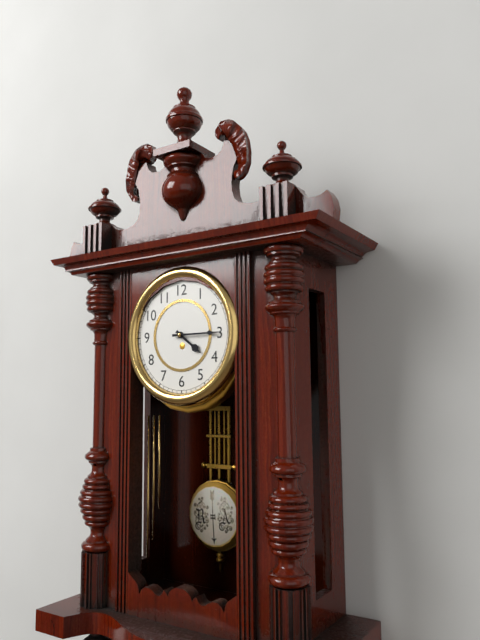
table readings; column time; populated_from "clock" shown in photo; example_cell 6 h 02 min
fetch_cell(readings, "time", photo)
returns 4 h 15 min
